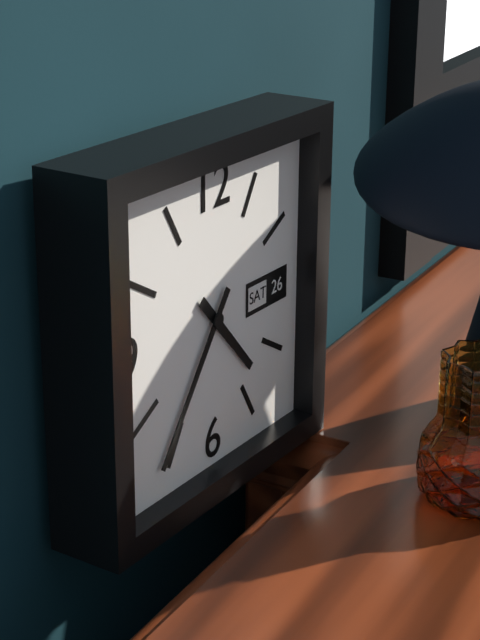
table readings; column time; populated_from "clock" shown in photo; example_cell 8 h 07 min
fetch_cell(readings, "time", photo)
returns 4 h 36 min
